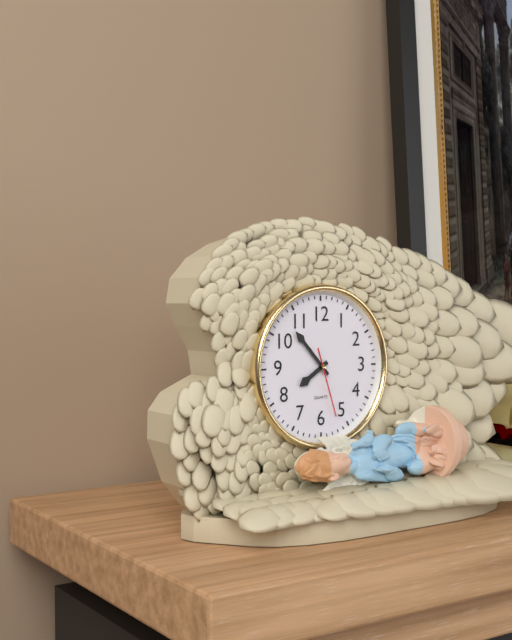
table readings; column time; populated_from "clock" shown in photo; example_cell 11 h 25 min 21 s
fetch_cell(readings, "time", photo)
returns 7 h 53 min 27 s
